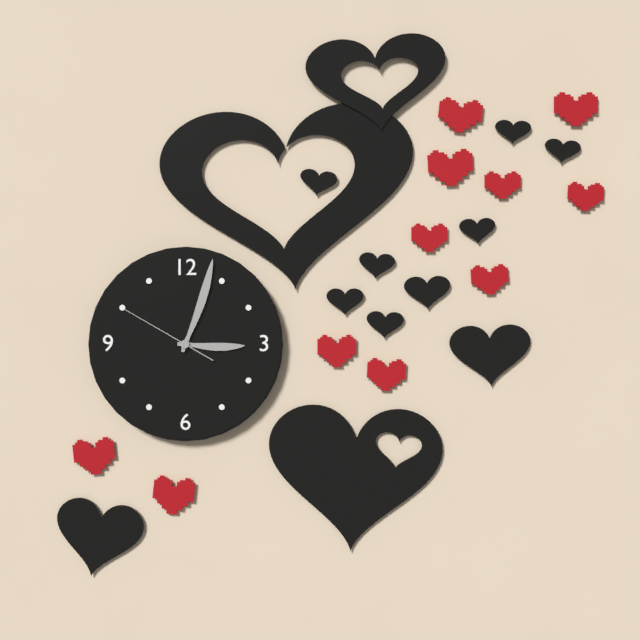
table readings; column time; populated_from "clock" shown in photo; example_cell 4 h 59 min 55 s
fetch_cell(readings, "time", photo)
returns 3 h 03 min 50 s
